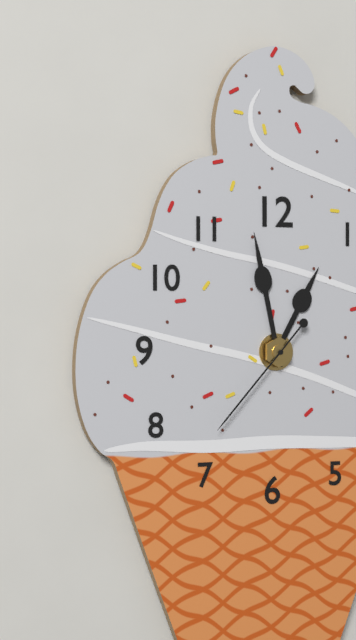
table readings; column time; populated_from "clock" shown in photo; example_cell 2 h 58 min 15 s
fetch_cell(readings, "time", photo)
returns 12 h 58 min 37 s
